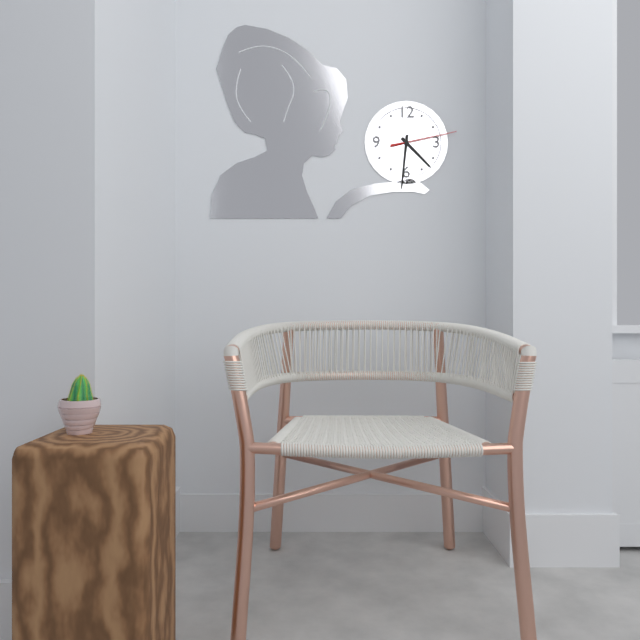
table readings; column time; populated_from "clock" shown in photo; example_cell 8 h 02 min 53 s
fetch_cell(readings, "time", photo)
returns 4 h 31 min 13 s
